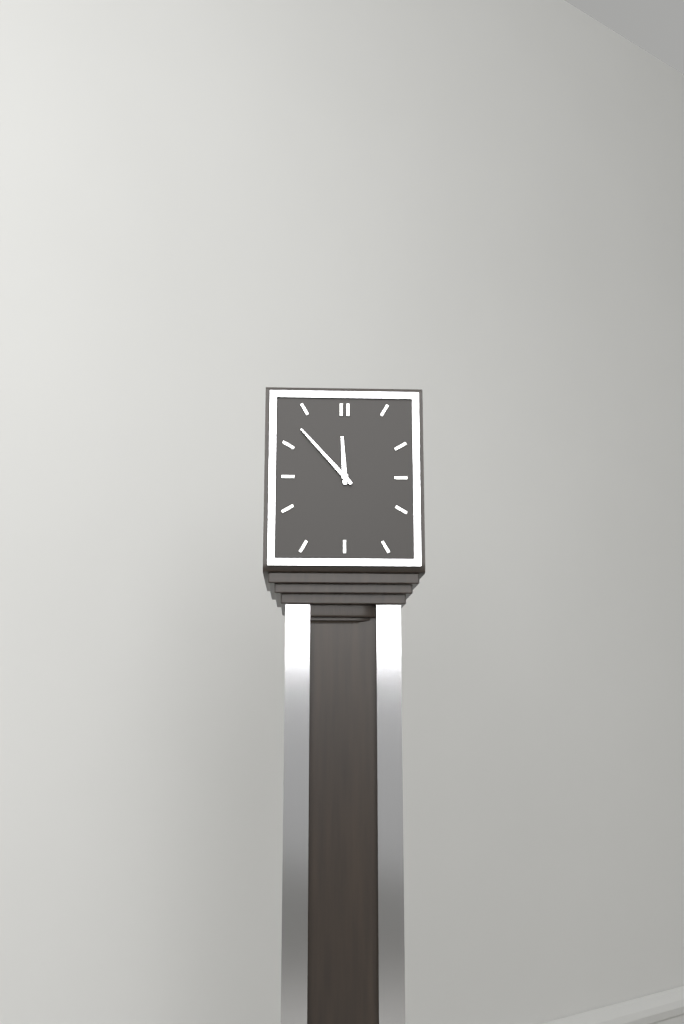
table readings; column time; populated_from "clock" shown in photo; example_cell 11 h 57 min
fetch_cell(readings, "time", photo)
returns 11 h 53 min
